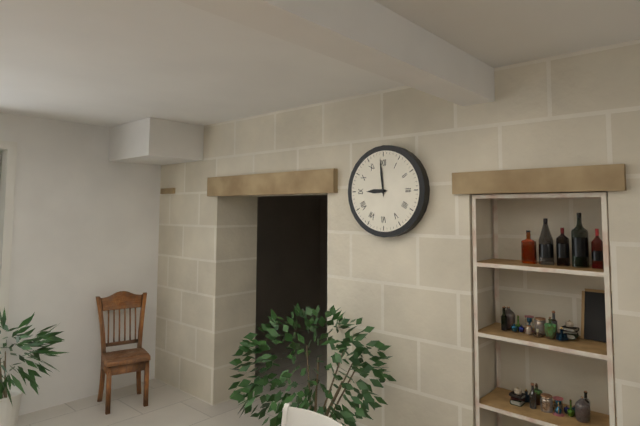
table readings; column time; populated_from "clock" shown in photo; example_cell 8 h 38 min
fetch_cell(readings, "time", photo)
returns 8 h 59 min
